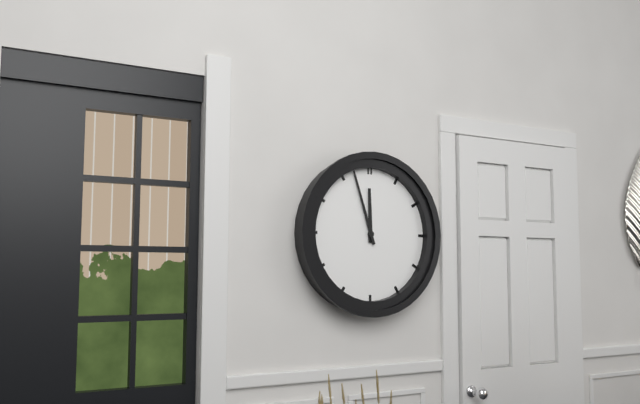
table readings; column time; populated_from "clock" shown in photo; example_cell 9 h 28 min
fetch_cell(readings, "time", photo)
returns 11 h 57 min
